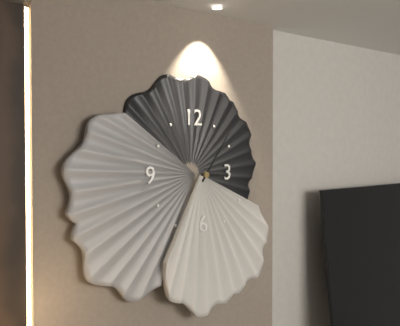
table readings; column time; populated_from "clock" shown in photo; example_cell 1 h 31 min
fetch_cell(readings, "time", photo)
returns 3 h 06 min
